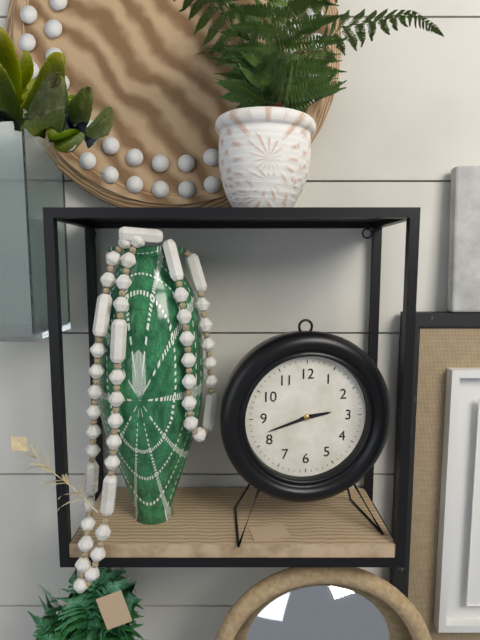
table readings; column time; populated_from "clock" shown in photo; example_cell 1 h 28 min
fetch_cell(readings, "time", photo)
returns 2 h 42 min
